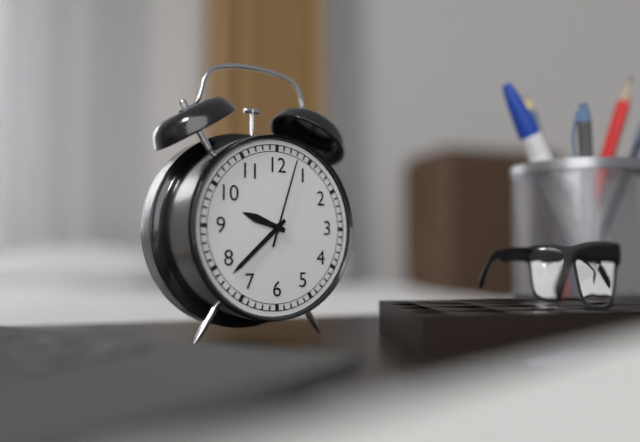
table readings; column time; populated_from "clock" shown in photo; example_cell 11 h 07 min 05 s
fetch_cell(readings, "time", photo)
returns 9 h 38 min 03 s
